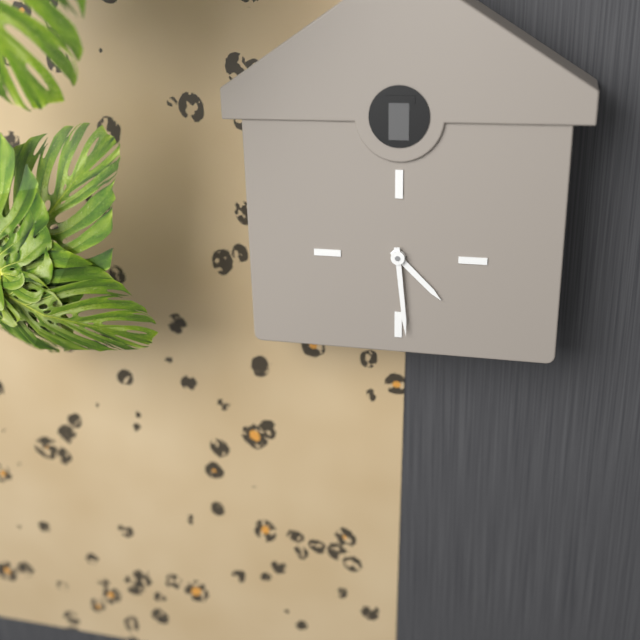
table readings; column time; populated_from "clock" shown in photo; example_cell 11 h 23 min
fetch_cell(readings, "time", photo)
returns 4 h 29 min
